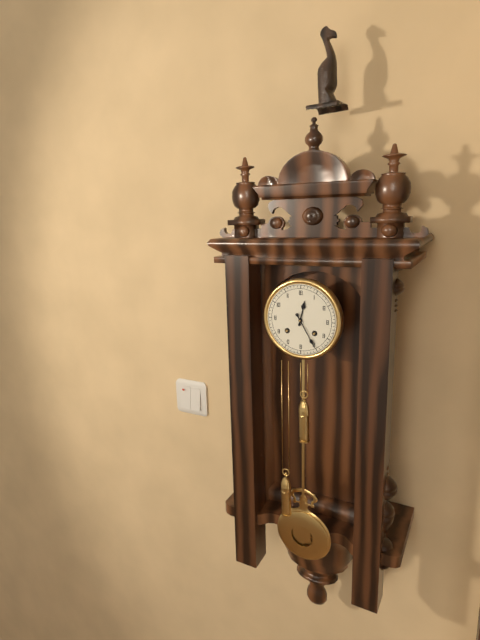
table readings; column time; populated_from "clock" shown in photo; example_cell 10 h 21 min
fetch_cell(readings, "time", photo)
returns 12 h 25 min
